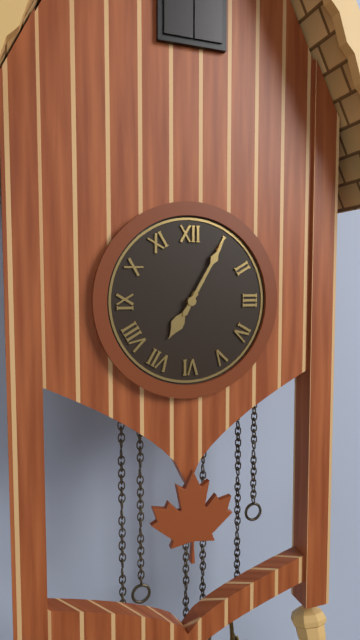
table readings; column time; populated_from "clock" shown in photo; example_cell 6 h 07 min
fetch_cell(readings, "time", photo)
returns 7 h 05 min
